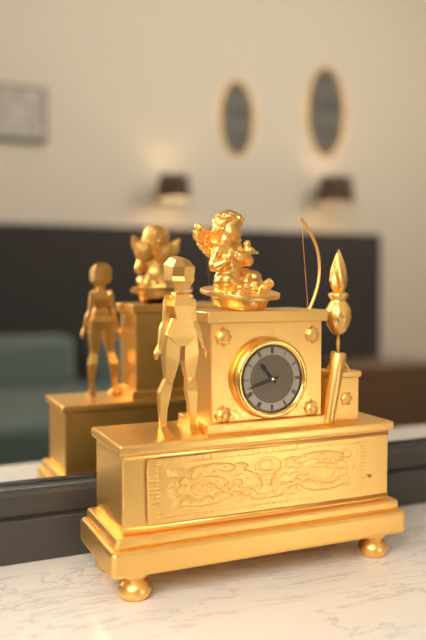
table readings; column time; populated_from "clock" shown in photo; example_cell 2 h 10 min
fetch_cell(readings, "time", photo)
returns 10 h 42 min
